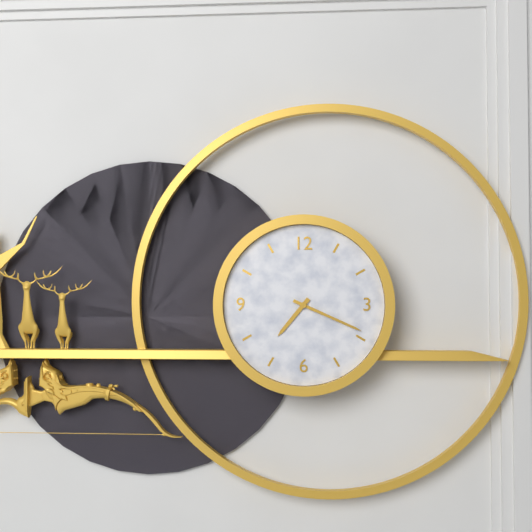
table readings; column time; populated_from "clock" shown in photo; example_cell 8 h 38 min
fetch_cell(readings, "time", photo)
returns 7 h 19 min
